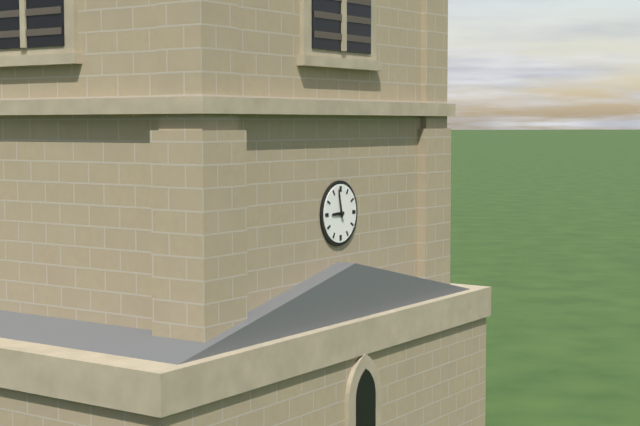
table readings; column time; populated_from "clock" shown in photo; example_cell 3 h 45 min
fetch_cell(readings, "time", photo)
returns 8 h 58 min
